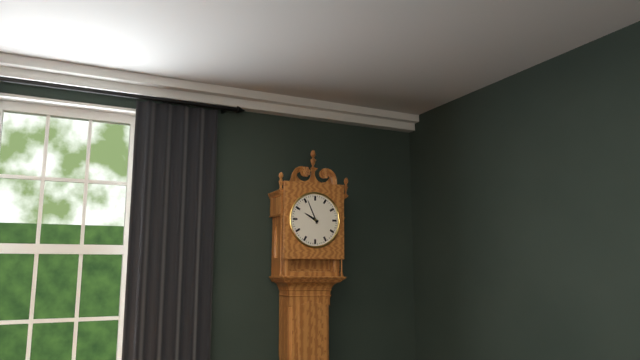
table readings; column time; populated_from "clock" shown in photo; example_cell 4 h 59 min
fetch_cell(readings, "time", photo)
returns 9 h 56 min
